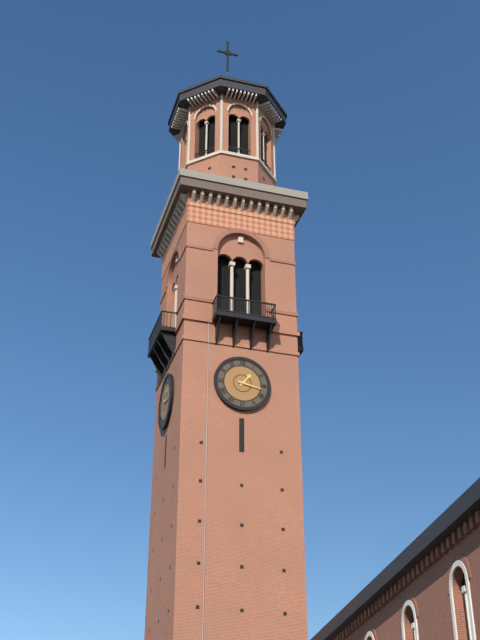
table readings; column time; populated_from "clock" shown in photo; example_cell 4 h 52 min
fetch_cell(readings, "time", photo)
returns 1 h 17 min
